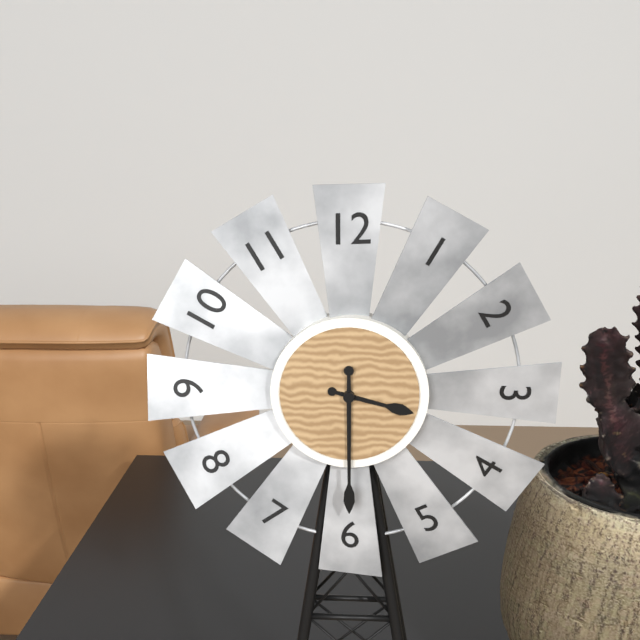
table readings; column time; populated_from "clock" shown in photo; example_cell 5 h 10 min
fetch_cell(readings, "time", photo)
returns 3 h 30 min
